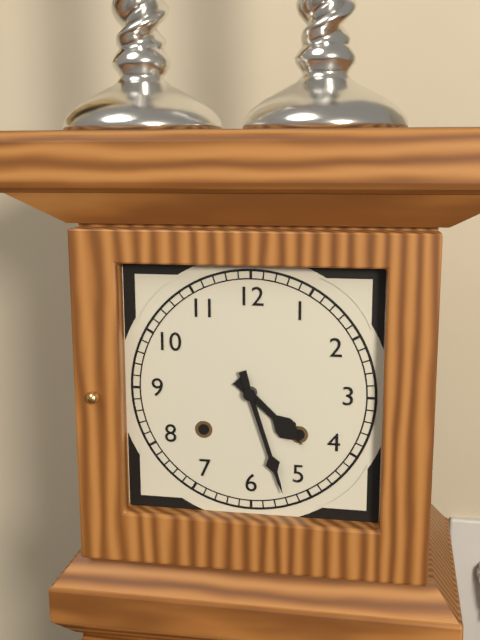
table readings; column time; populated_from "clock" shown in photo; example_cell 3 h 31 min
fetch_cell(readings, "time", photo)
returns 4 h 27 min
